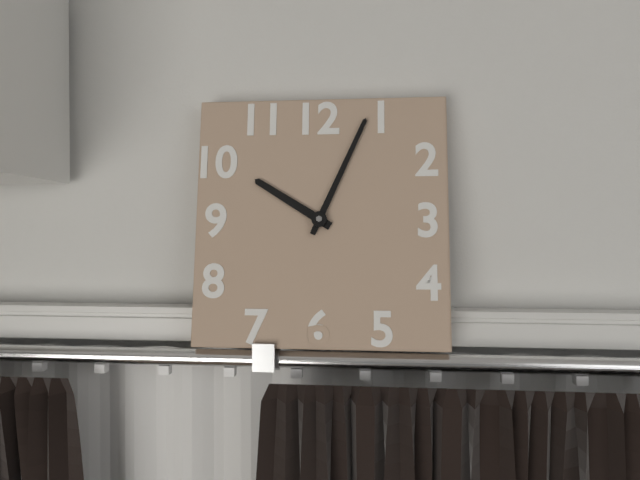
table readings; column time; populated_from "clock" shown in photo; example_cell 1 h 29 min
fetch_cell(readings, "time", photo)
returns 10 h 04 min
